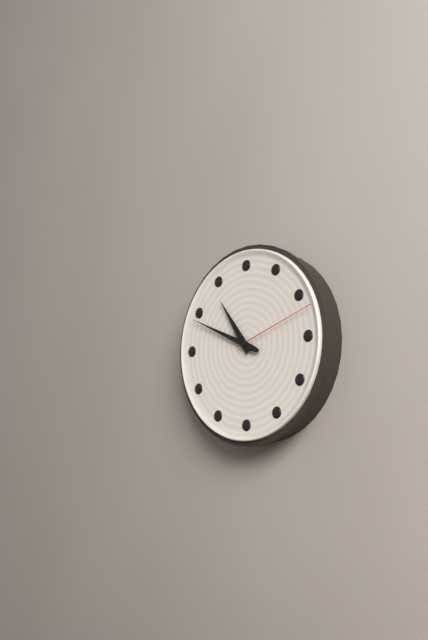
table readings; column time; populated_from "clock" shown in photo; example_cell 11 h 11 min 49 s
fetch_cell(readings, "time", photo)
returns 10 h 49 min 12 s
